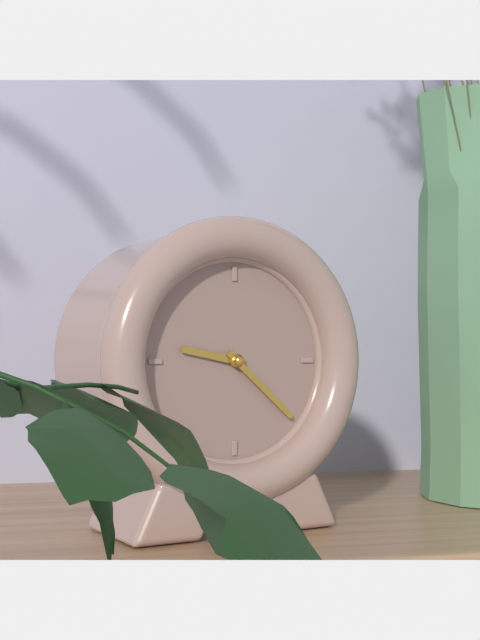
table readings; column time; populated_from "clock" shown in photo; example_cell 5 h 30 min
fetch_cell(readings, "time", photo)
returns 9 h 22 min
